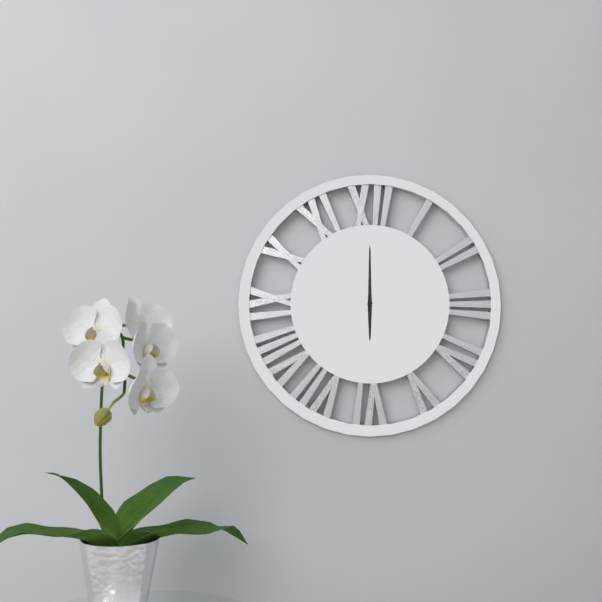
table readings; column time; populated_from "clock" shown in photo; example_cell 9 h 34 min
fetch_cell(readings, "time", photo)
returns 6 h 00 min
